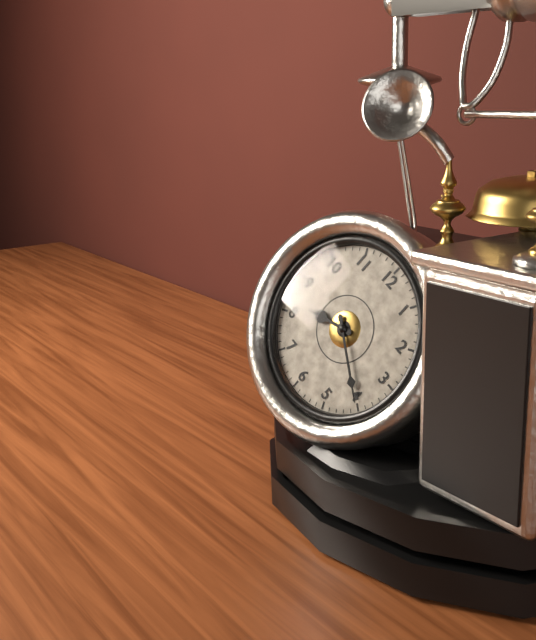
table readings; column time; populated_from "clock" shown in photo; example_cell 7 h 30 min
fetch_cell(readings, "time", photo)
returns 8 h 20 min
